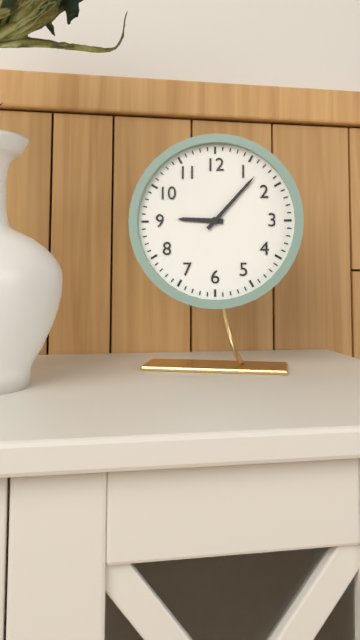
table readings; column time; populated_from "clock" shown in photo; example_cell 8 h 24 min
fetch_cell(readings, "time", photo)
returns 9 h 07 min
